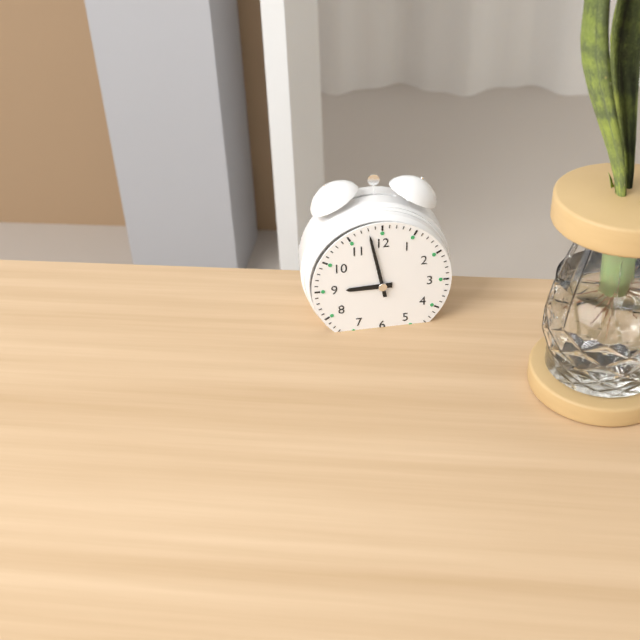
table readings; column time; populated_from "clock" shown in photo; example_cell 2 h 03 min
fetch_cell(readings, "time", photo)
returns 8 h 58 min
